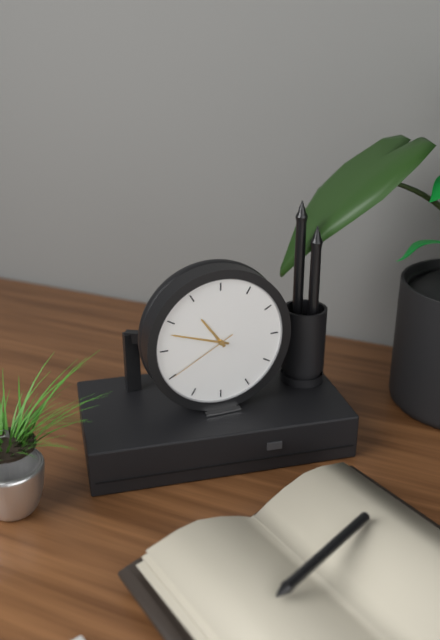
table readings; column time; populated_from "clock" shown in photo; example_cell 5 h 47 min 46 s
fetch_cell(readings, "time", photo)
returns 10 h 48 min 40 s
